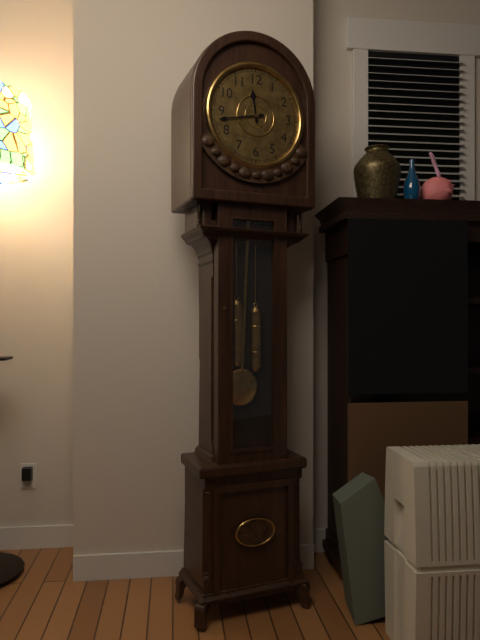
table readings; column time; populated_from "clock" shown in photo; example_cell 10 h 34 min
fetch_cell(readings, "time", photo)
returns 11 h 43 min
